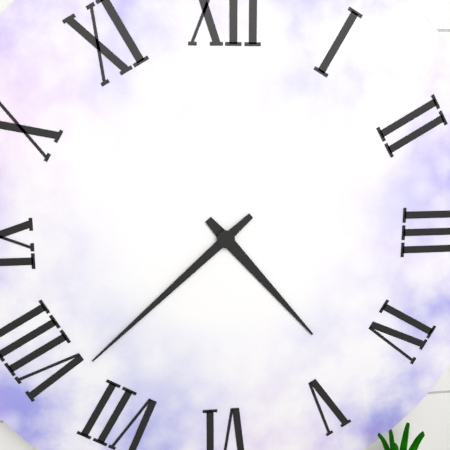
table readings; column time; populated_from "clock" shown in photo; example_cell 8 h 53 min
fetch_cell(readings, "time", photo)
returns 4 h 38 min
